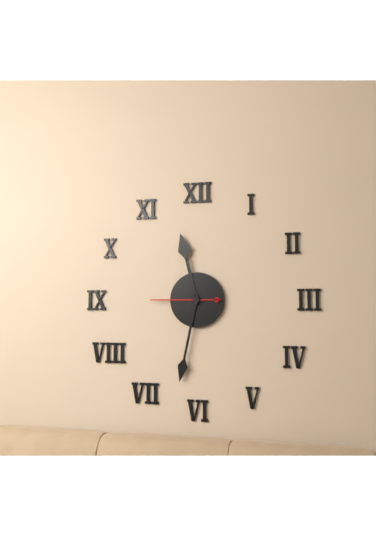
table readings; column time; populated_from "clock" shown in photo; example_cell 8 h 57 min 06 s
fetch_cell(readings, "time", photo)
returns 11 h 32 min 45 s
